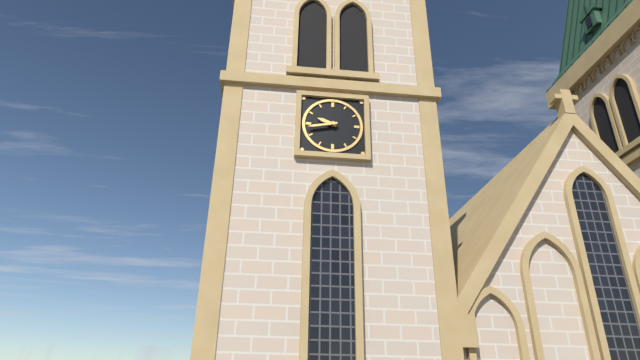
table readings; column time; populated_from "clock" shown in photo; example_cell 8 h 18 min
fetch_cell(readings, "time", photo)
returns 9 h 43 min
